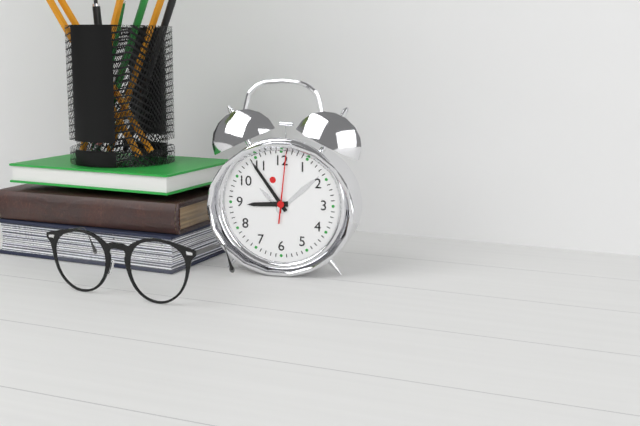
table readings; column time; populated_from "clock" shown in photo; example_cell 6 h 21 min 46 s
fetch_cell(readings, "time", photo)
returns 8 h 54 min 01 s
